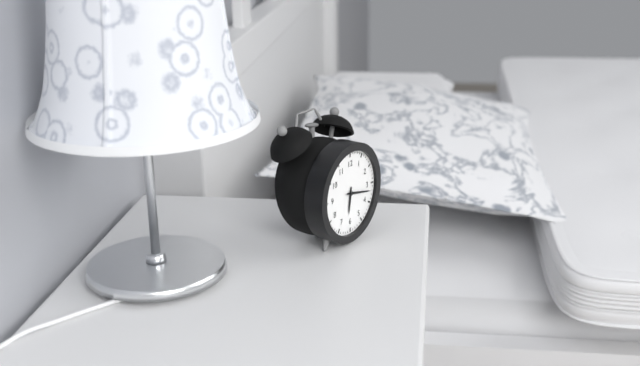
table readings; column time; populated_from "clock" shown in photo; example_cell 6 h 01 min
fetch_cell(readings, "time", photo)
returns 6 h 17 min
